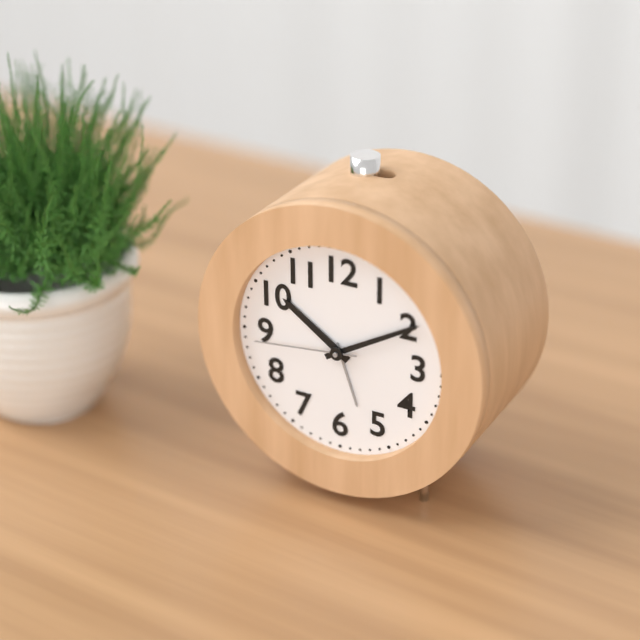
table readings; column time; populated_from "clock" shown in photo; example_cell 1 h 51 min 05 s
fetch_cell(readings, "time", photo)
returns 10 h 10 min 44 s
